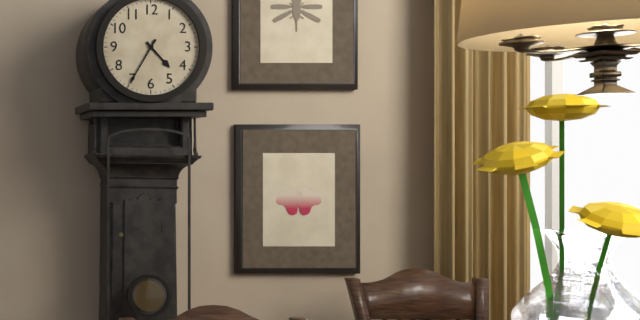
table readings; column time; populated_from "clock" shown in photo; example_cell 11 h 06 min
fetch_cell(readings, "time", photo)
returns 4 h 35 min
